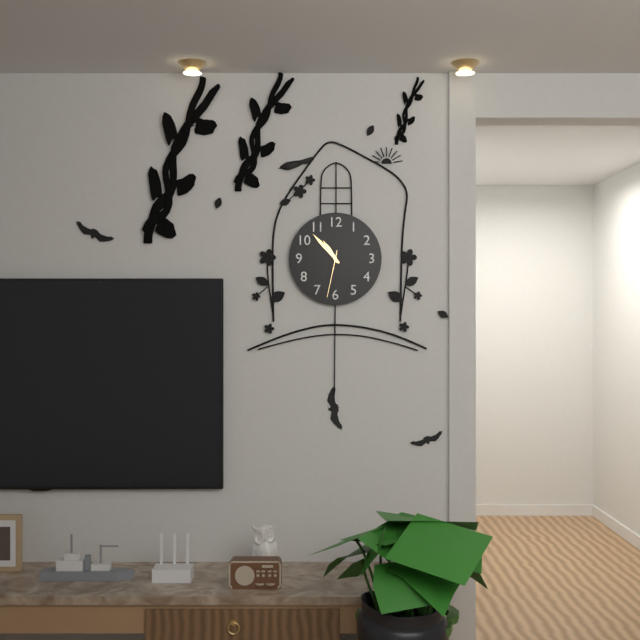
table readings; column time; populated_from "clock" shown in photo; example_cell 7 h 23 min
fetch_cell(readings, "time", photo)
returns 10 h 53 min
